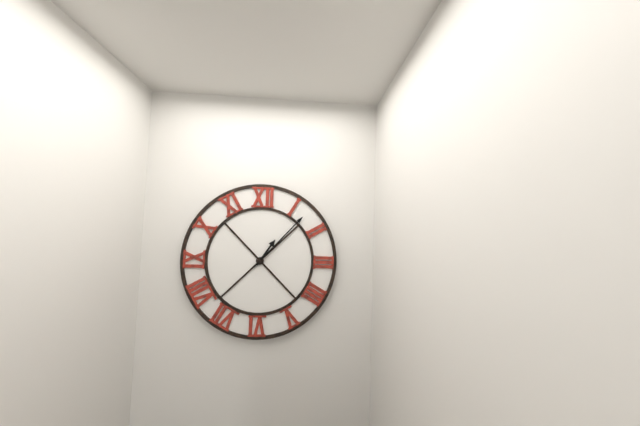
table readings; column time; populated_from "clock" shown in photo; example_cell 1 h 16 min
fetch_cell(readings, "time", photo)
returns 1 h 07 min
